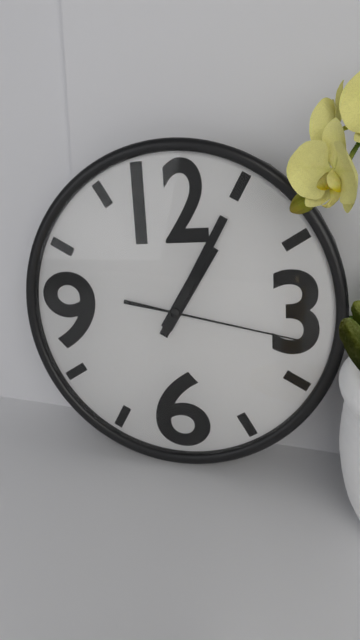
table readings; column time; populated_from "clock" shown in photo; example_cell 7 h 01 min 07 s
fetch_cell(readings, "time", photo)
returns 1 h 05 min 17 s
